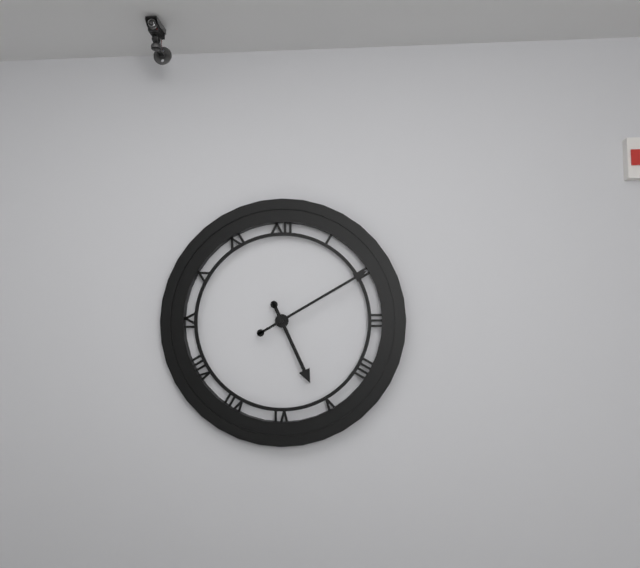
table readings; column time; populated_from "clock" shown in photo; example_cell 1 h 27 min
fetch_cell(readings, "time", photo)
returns 5 h 10 min
